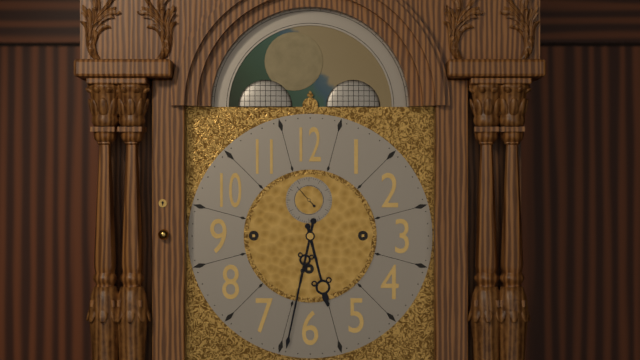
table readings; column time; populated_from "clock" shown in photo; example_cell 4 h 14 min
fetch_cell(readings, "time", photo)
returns 5 h 32 min
